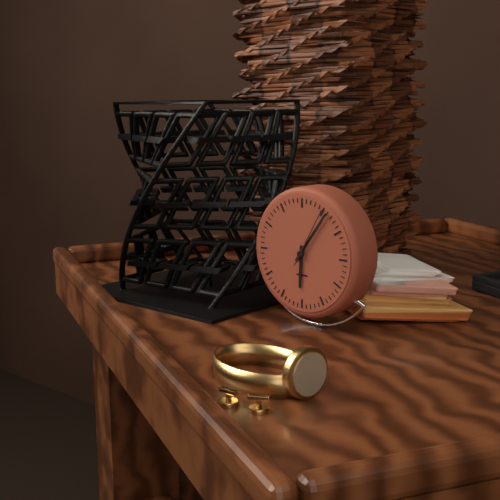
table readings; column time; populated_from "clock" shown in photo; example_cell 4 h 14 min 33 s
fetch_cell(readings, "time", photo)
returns 6 h 06 min 05 s
